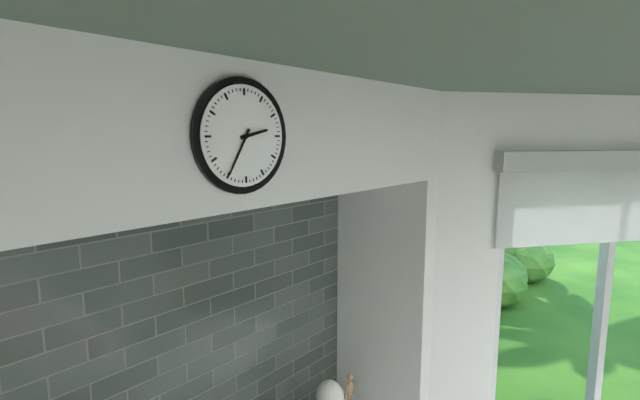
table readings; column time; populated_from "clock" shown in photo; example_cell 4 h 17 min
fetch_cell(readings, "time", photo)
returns 2 h 35 min
